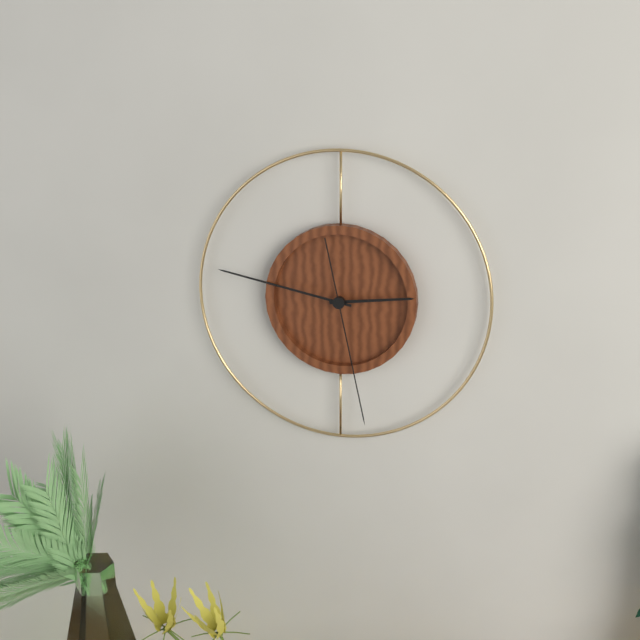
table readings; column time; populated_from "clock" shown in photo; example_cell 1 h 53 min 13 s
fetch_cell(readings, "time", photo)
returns 2 h 47 min 28 s
